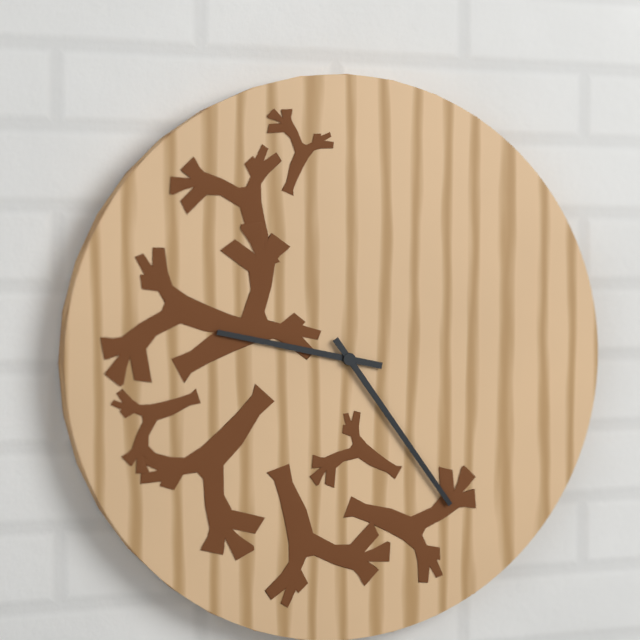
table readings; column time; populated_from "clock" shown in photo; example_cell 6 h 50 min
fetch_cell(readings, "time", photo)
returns 9 h 24 min
